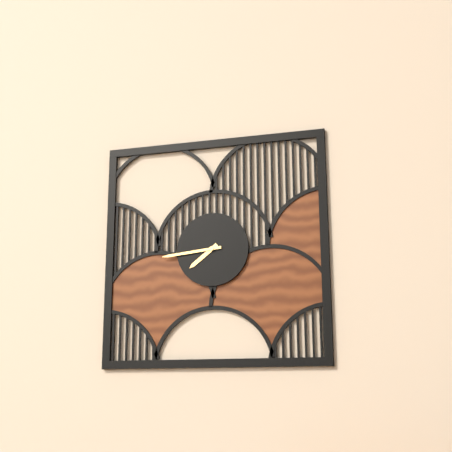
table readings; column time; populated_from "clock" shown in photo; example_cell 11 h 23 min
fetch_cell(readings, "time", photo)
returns 7 h 44 min
